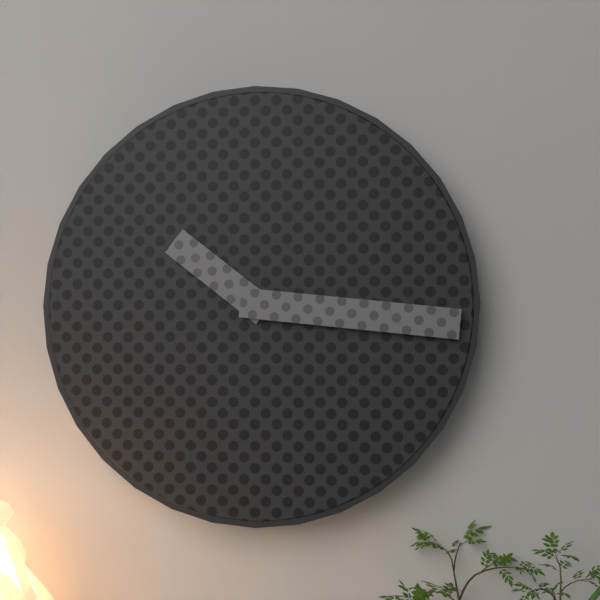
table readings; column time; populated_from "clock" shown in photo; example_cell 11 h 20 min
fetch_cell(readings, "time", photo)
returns 10 h 16 min
